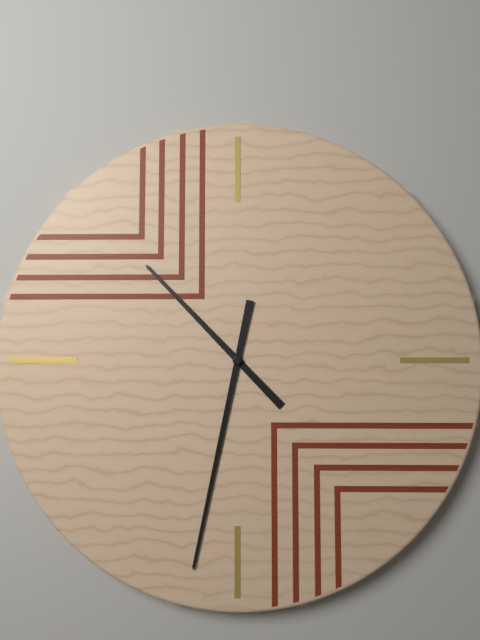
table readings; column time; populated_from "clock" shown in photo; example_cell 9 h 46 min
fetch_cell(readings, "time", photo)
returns 10 h 32 min
